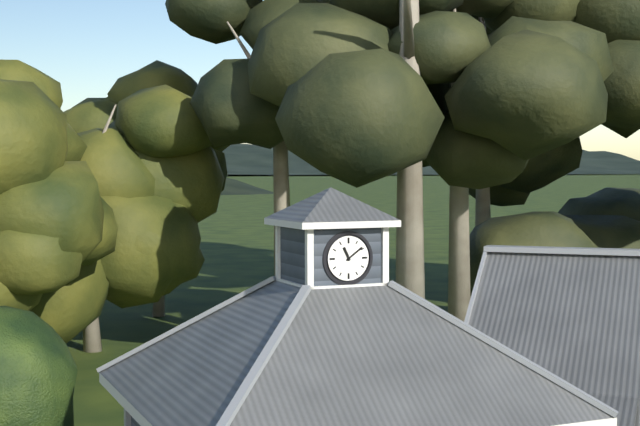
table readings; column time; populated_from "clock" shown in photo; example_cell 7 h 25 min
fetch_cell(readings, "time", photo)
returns 11 h 09 min
